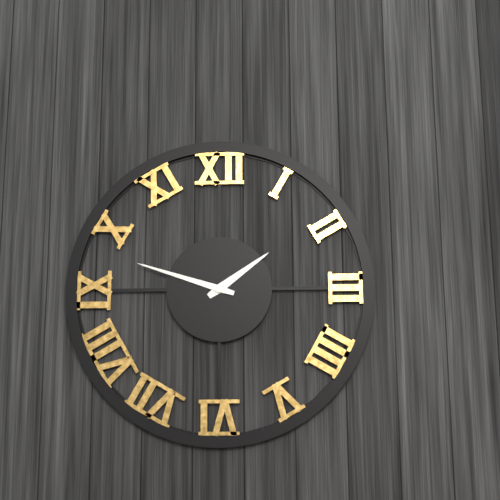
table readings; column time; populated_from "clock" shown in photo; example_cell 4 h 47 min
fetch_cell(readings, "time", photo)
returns 1 h 48 min
